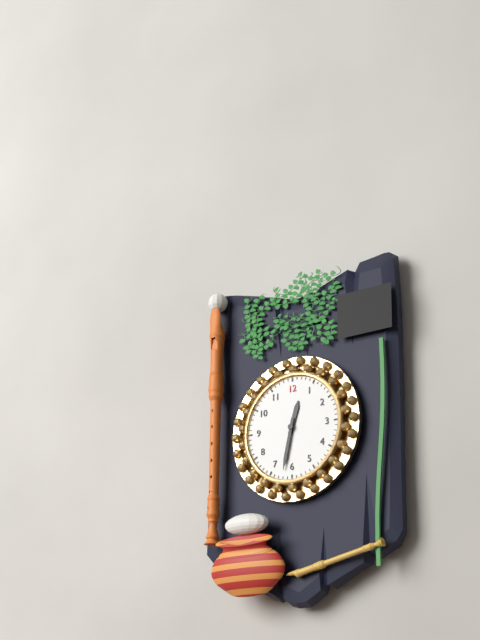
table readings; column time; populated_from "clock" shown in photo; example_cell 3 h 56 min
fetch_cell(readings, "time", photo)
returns 12 h 32 min
